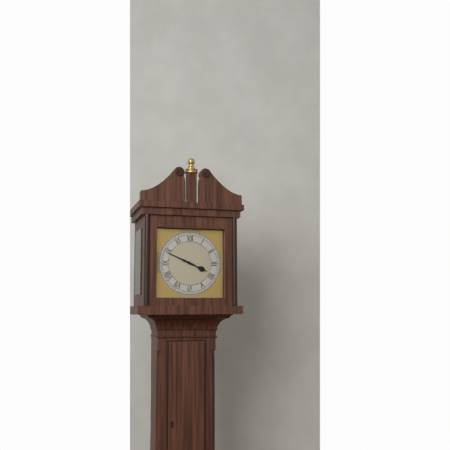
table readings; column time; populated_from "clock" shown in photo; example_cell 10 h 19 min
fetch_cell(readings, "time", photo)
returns 3 h 49 min
